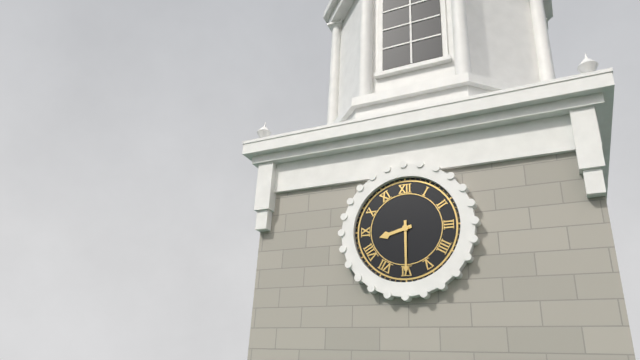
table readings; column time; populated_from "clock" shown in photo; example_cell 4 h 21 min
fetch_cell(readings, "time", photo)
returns 8 h 30 min
